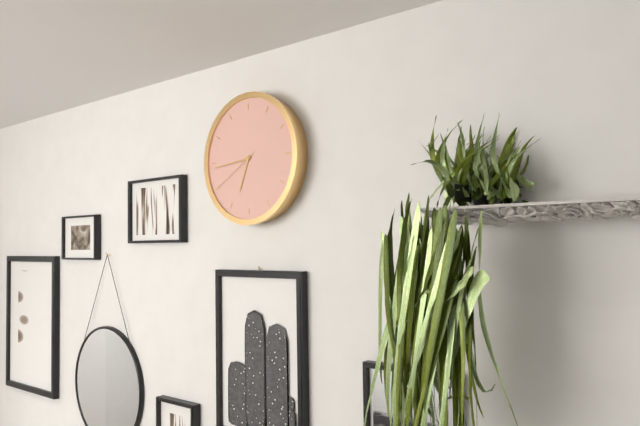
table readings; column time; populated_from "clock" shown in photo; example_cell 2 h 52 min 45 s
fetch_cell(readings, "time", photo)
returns 6 h 44 min 40 s
